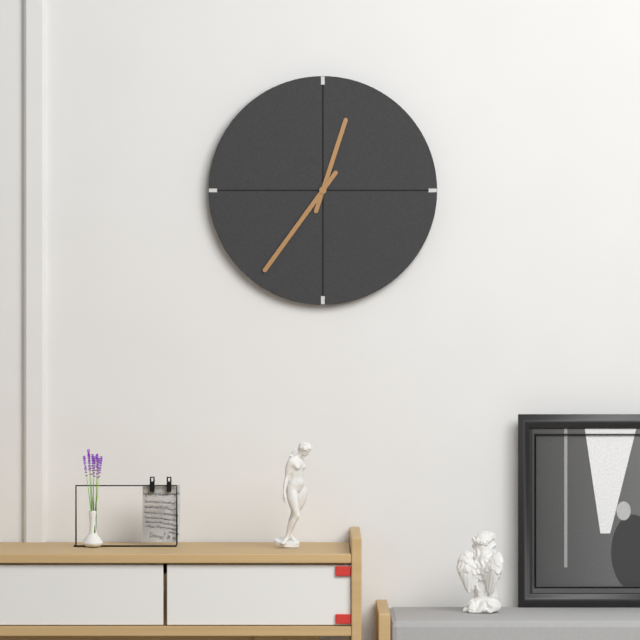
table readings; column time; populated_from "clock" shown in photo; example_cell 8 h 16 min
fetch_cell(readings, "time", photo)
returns 12 h 36 min
